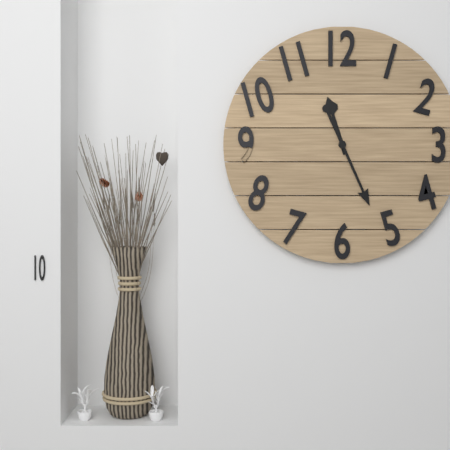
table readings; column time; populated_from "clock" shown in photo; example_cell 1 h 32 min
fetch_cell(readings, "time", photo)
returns 11 h 26 min
